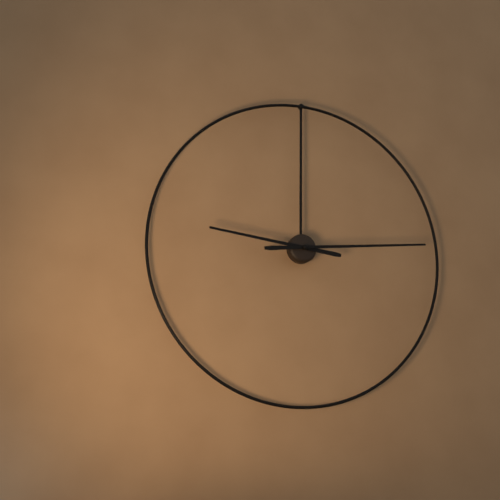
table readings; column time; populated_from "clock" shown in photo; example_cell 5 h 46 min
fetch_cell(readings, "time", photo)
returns 9 h 14 min
